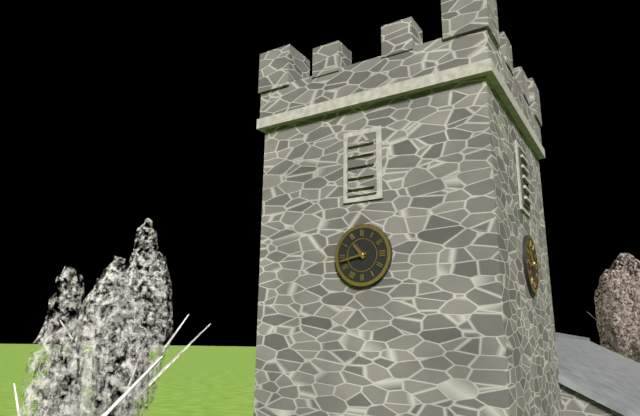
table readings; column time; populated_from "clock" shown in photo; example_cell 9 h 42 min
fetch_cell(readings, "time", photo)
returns 10 h 43 min
